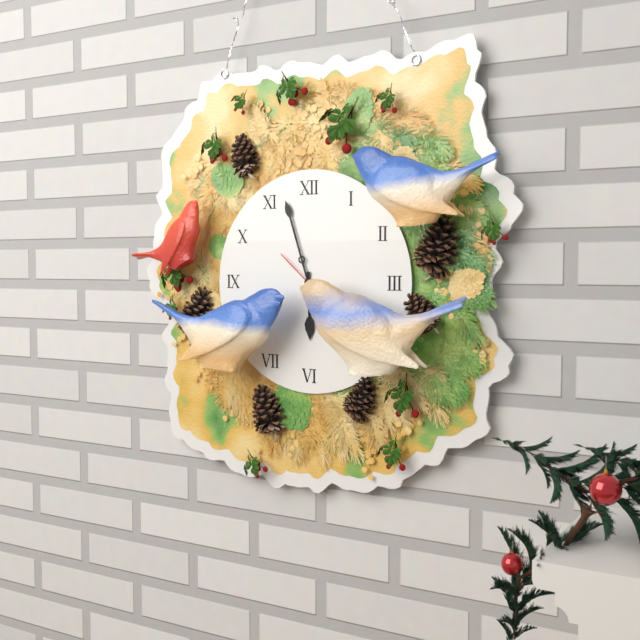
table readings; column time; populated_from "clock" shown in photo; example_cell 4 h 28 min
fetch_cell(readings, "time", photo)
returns 5 h 57 min
